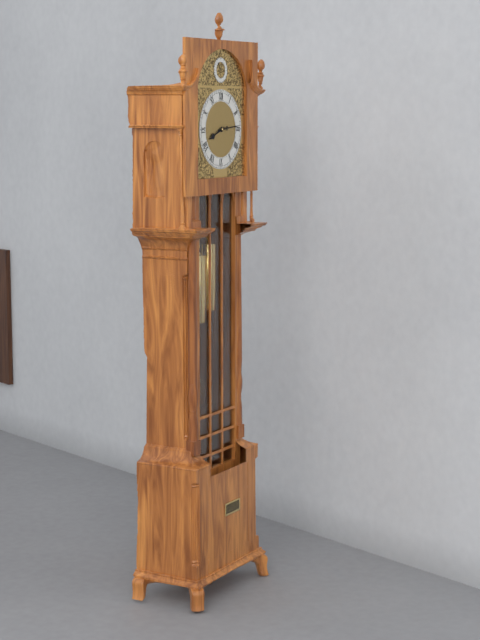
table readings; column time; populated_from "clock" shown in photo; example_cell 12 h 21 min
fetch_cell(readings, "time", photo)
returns 8 h 14 min
